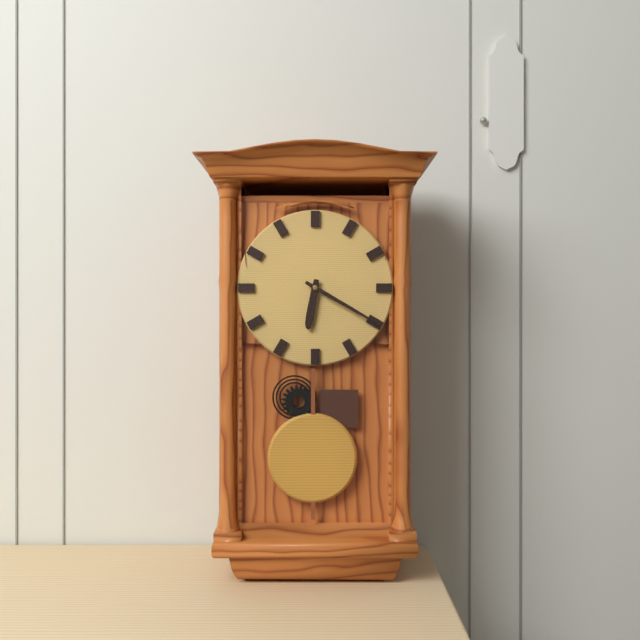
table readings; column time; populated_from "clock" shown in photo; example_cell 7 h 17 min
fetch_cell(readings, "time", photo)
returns 6 h 20 min
